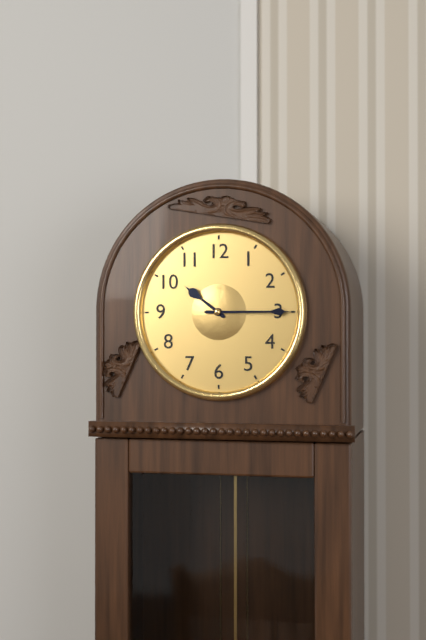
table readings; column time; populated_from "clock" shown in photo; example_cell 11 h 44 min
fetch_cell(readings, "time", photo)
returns 10 h 15 min
